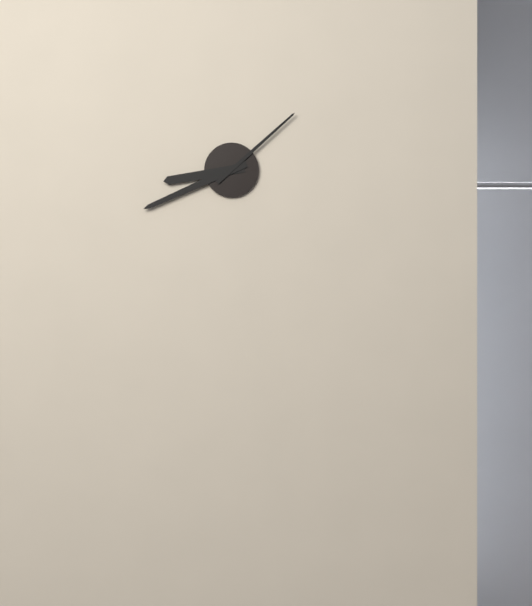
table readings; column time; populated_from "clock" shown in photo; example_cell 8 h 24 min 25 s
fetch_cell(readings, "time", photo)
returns 8 h 41 min 08 s
